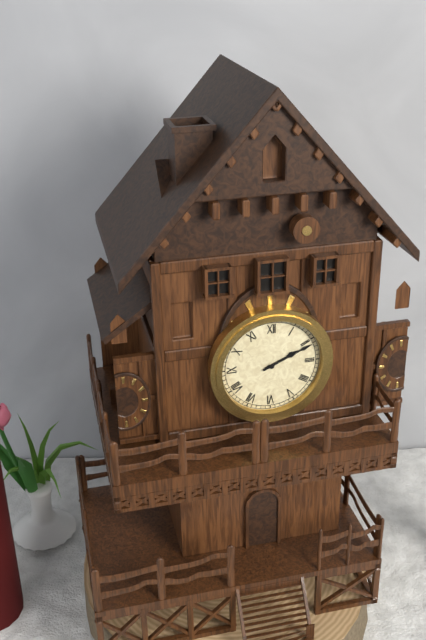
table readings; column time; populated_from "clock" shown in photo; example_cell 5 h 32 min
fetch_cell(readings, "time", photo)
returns 2 h 11 min
